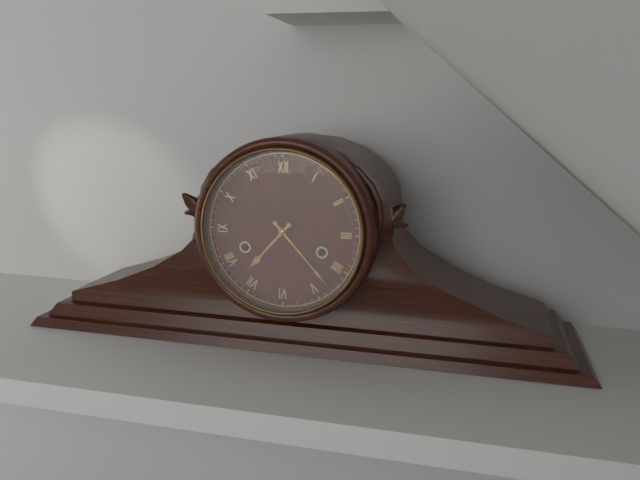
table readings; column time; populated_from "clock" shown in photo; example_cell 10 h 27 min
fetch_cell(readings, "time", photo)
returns 7 h 23 min
